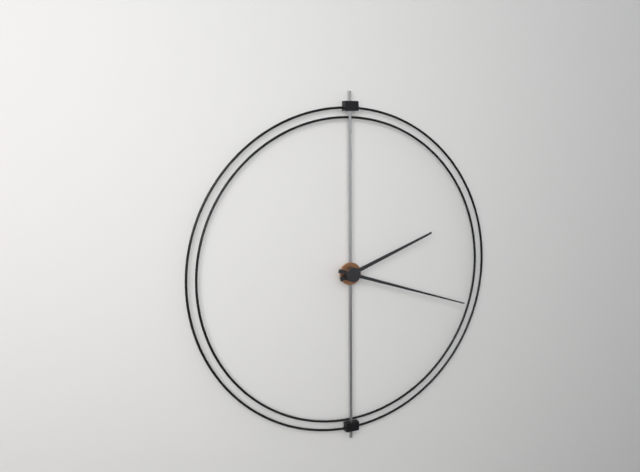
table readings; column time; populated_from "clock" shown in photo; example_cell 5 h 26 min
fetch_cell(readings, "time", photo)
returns 2 h 18 min
